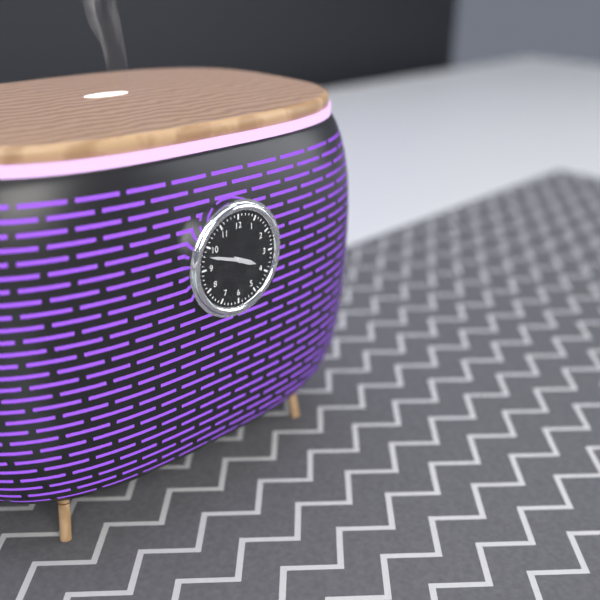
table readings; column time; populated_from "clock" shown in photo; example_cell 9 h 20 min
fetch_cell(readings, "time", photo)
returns 3 h 48 min
